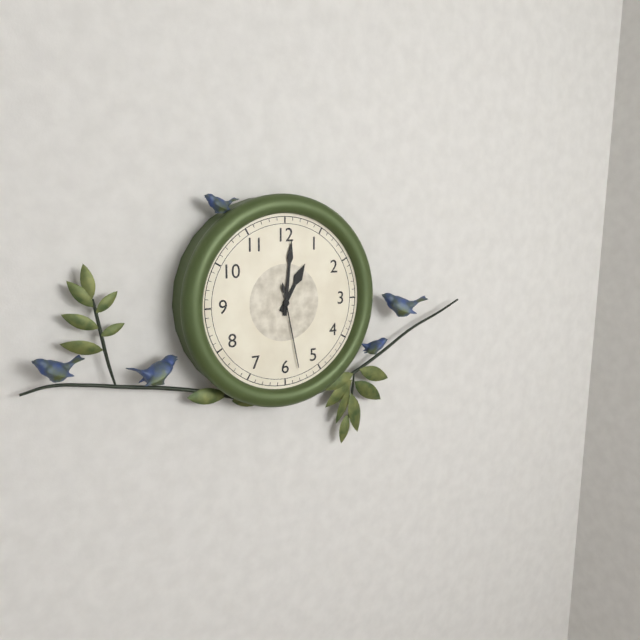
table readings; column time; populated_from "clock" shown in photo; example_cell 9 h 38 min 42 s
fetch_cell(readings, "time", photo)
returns 1 h 01 min 28 s
